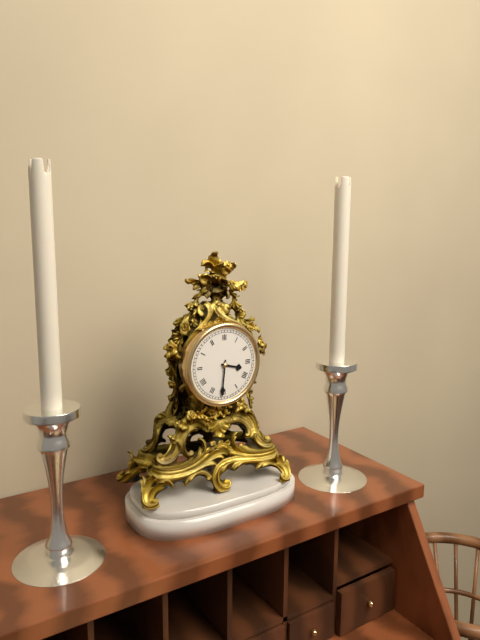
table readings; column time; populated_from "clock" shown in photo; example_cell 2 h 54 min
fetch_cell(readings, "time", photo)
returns 3 h 31 min
